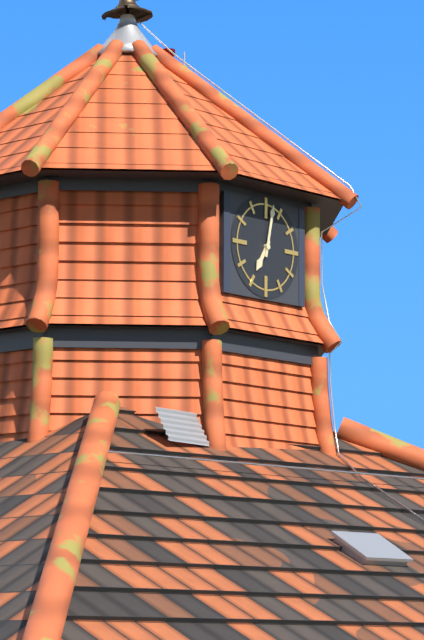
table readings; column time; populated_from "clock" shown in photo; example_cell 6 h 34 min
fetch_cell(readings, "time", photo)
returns 7 h 02 min
